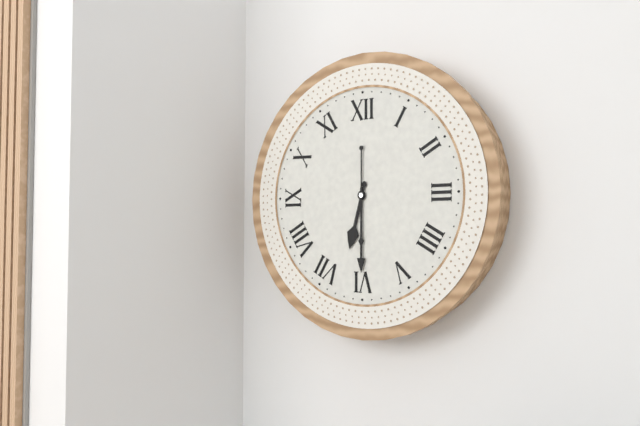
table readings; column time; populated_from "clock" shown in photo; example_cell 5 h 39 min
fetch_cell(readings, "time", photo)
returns 6 h 30 min
